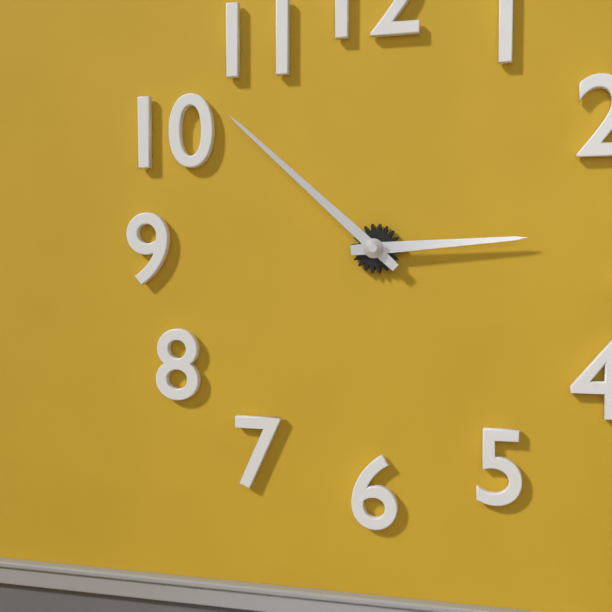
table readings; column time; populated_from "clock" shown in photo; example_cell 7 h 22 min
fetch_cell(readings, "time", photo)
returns 2 h 52 min
